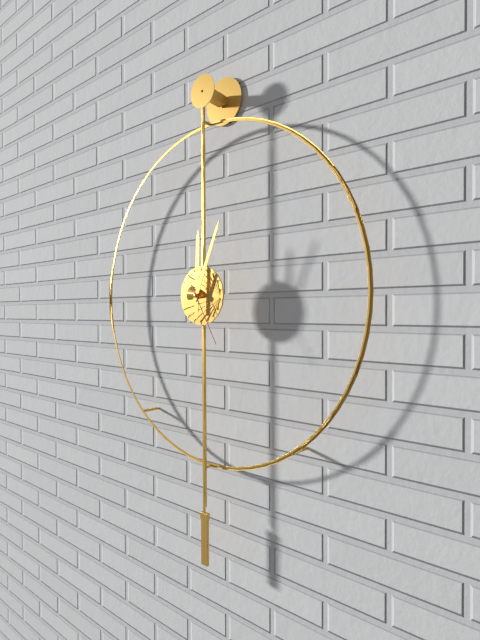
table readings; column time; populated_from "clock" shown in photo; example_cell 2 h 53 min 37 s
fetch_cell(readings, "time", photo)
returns 12 h 04 min 25 s
